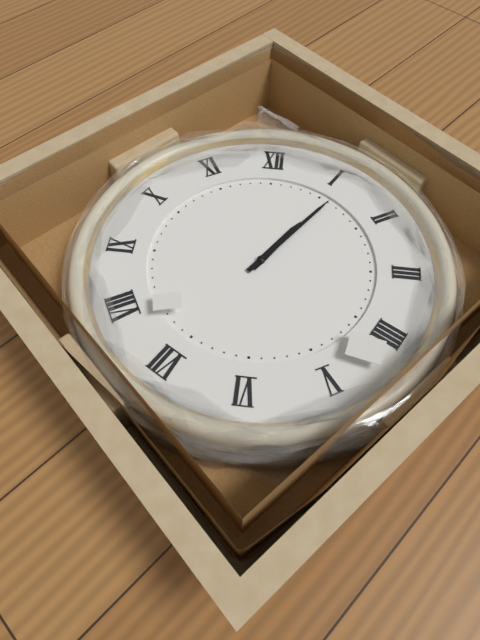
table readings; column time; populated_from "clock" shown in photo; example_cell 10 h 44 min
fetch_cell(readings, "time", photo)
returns 1 h 06 min
